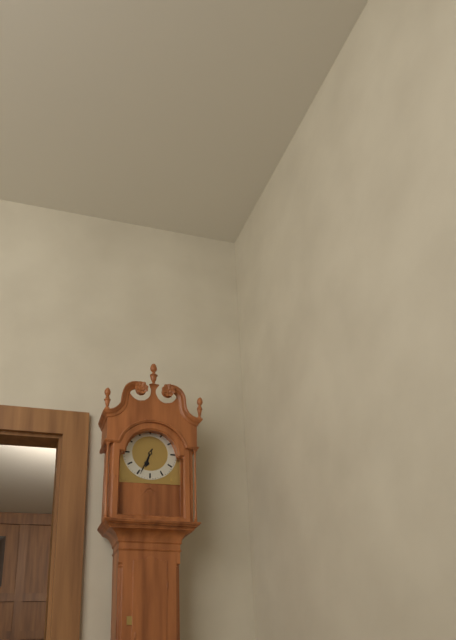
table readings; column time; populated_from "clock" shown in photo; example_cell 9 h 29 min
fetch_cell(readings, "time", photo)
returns 6 h 34 min
